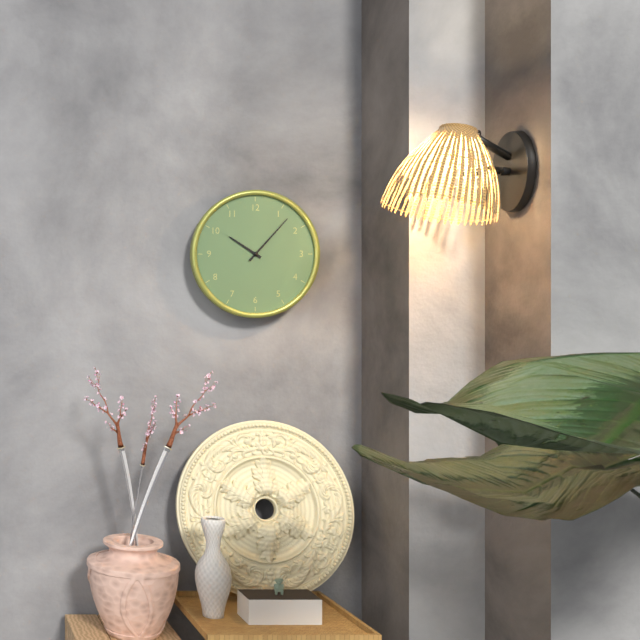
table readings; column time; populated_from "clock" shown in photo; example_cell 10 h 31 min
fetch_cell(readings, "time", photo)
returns 10 h 07 min
